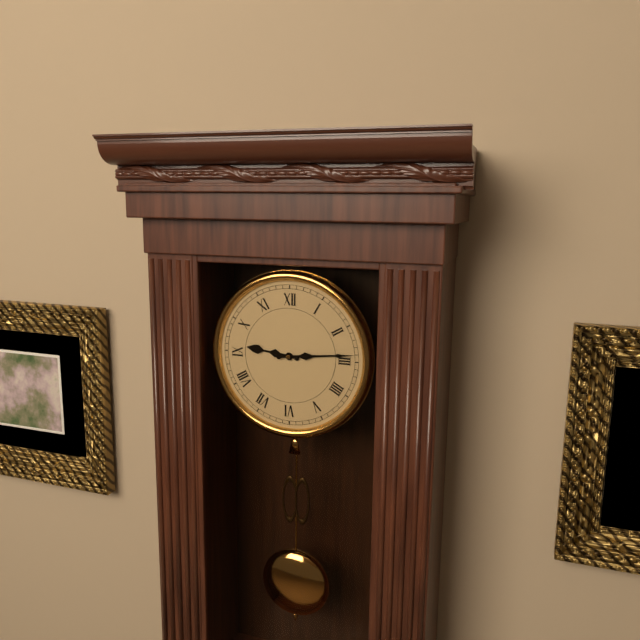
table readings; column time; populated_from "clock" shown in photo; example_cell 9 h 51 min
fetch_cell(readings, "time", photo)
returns 9 h 14 min
